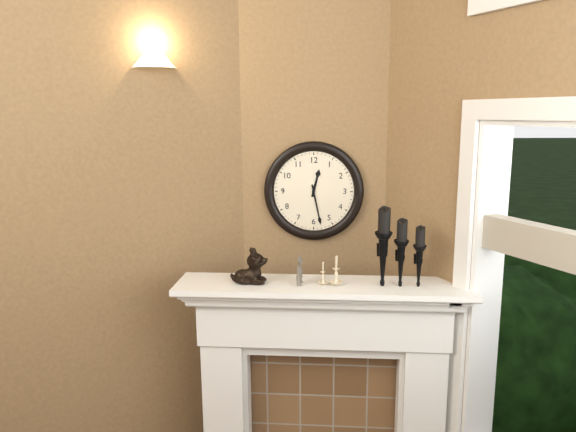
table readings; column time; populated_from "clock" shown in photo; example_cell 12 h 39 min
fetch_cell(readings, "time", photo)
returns 12 h 28 min
